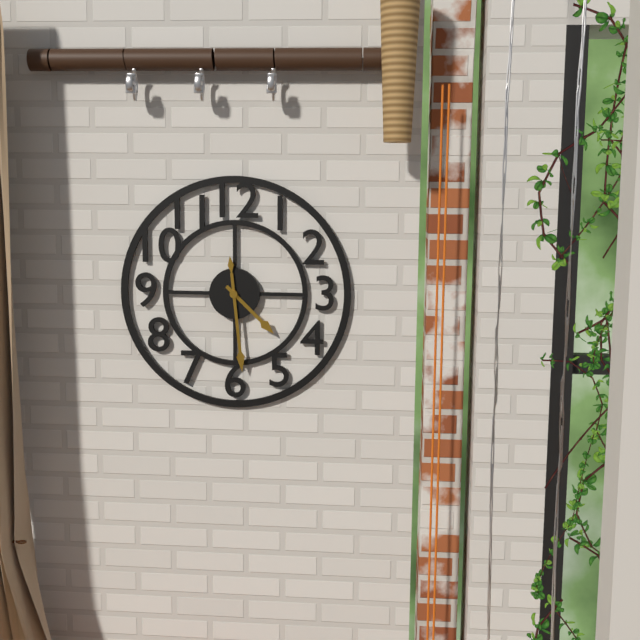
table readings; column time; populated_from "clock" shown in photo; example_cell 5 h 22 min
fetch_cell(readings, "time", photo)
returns 4 h 29 min
